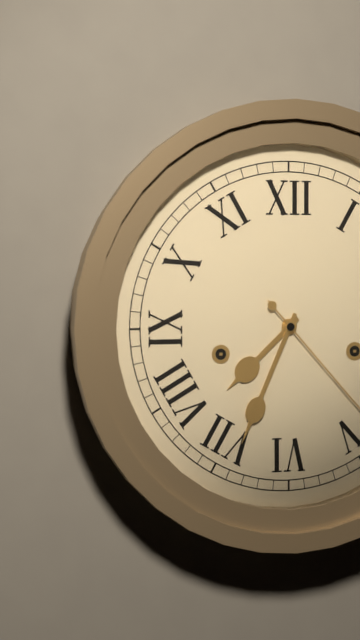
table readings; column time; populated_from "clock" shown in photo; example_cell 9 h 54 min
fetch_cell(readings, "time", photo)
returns 7 h 34 min
